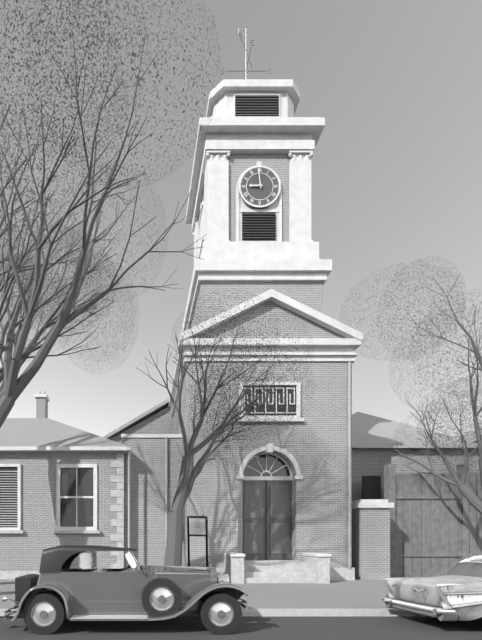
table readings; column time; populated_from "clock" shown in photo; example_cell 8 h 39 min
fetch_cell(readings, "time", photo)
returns 8 h 59 min
